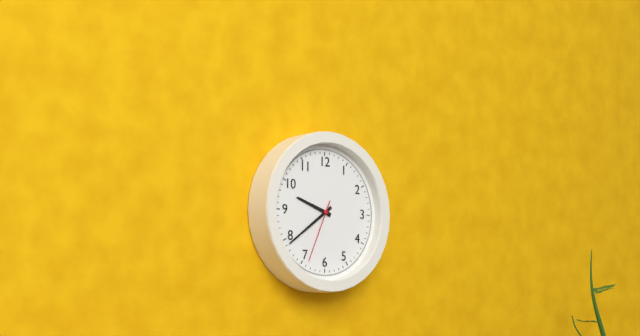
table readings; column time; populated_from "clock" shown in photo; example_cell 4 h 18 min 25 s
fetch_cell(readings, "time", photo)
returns 9 h 39 min 34 s
